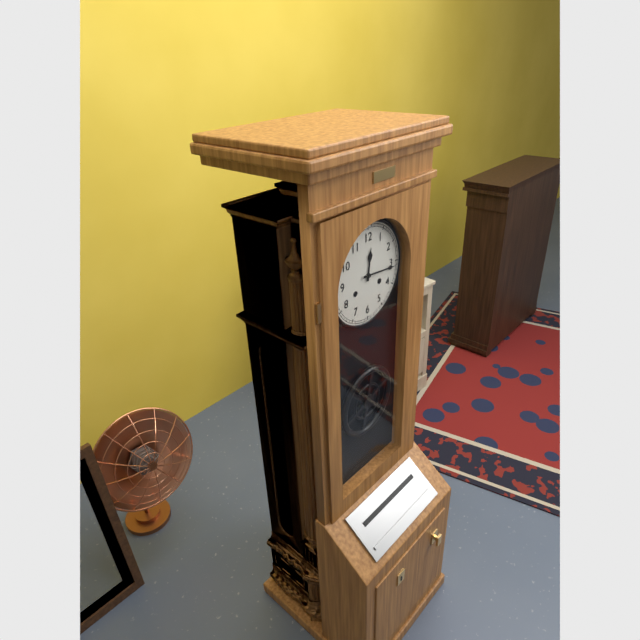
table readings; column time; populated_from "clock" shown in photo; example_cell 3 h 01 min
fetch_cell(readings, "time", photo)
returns 12 h 16 min
